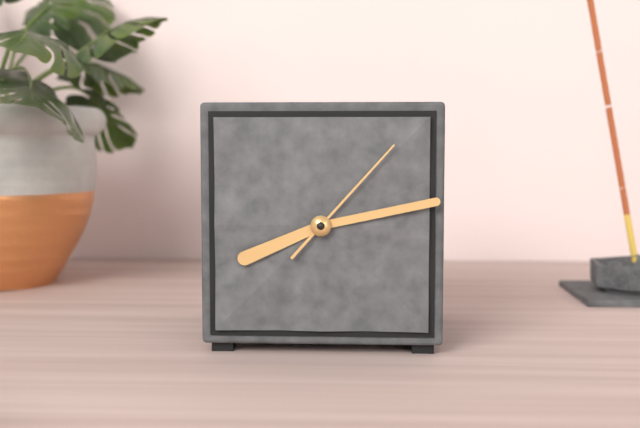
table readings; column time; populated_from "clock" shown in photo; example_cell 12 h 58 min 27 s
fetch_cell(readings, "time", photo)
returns 8 h 13 min 07 s
